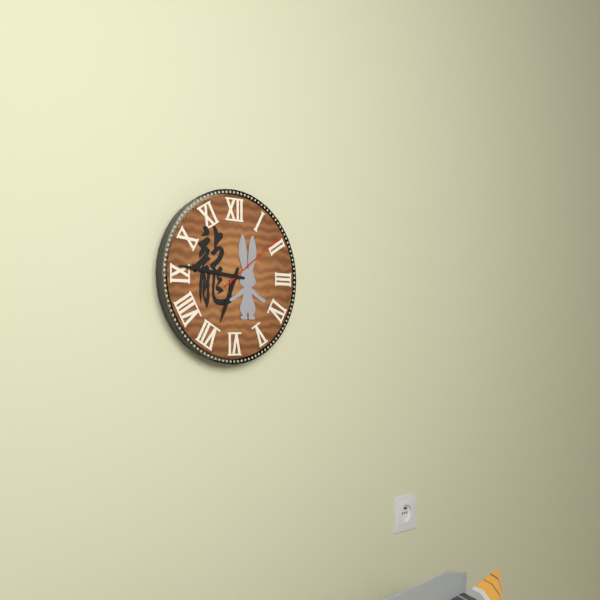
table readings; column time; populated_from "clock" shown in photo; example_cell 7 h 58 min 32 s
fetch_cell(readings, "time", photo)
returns 6 h 46 min 09 s
